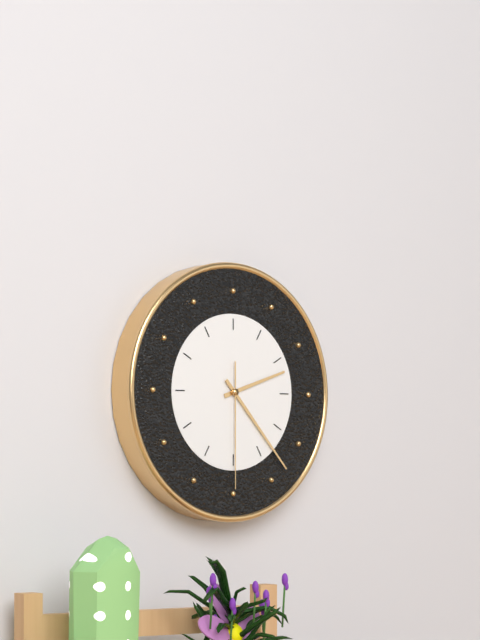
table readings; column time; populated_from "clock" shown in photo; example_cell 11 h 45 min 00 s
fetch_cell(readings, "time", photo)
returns 2 h 23 min 30 s
